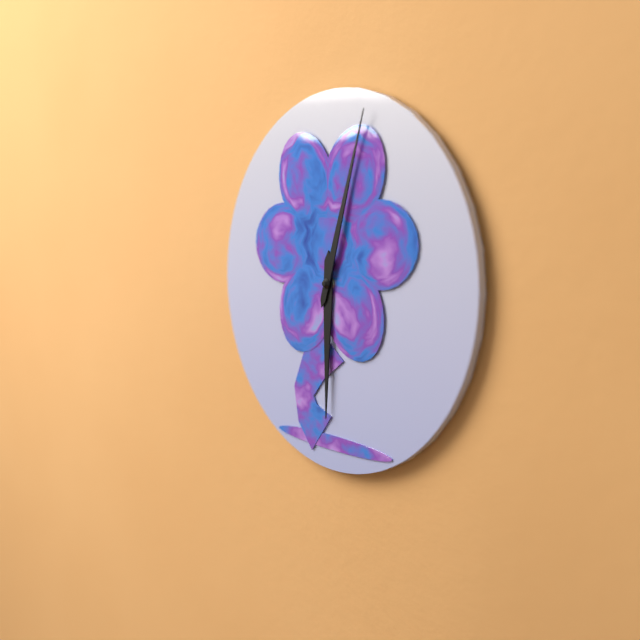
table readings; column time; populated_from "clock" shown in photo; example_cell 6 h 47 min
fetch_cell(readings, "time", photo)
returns 6 h 03 min
